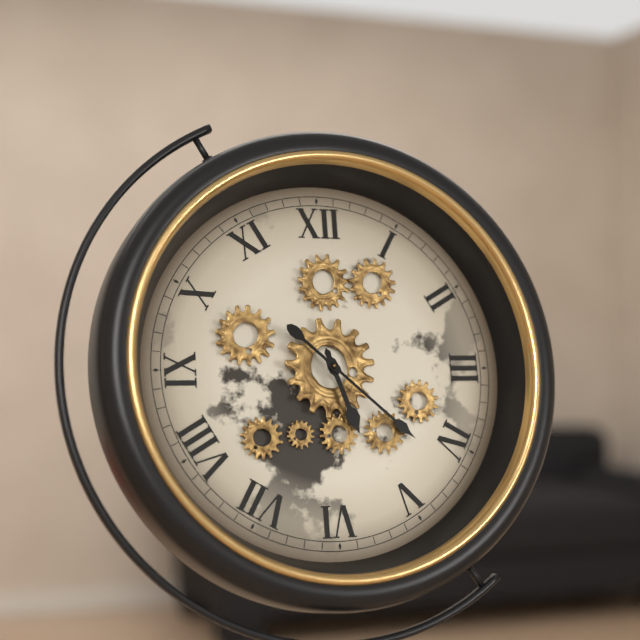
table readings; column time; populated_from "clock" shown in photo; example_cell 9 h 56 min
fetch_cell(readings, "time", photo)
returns 5 h 22 min
